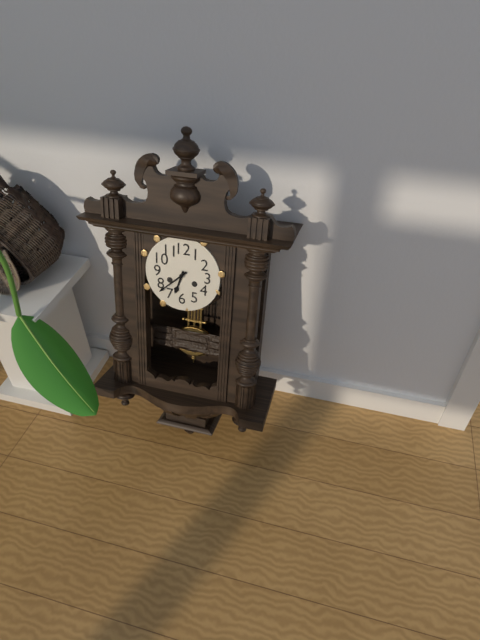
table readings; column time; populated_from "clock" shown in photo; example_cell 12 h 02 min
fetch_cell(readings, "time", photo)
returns 6 h 38 min
